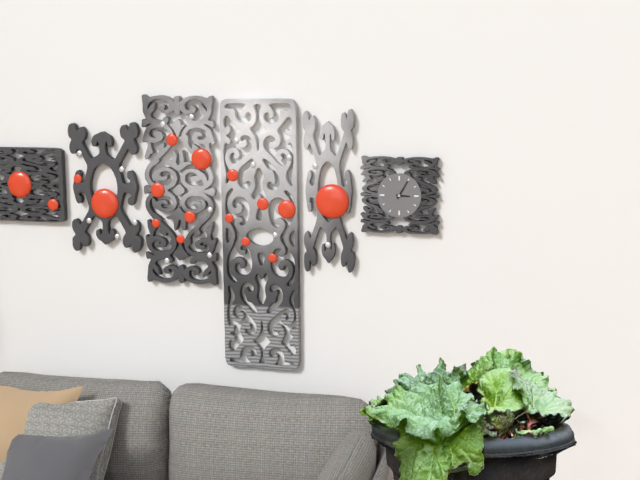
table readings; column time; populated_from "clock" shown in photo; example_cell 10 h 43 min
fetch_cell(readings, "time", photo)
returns 3 h 05 min
